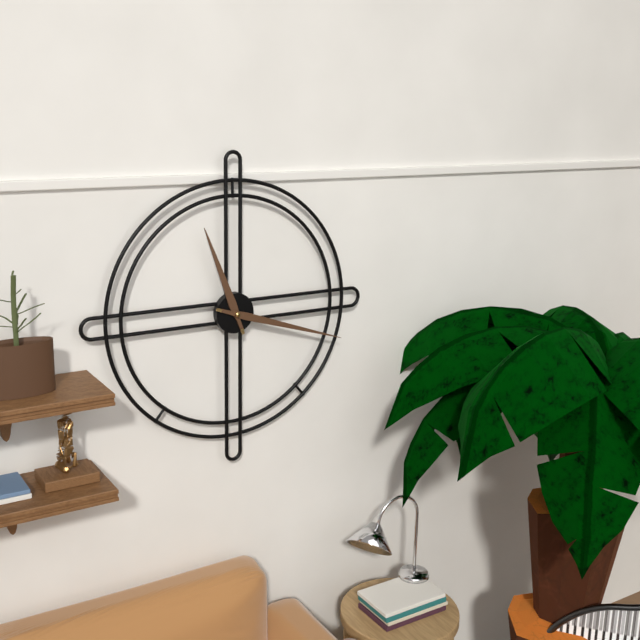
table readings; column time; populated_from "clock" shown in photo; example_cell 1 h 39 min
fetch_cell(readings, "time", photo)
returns 11 h 18 min
